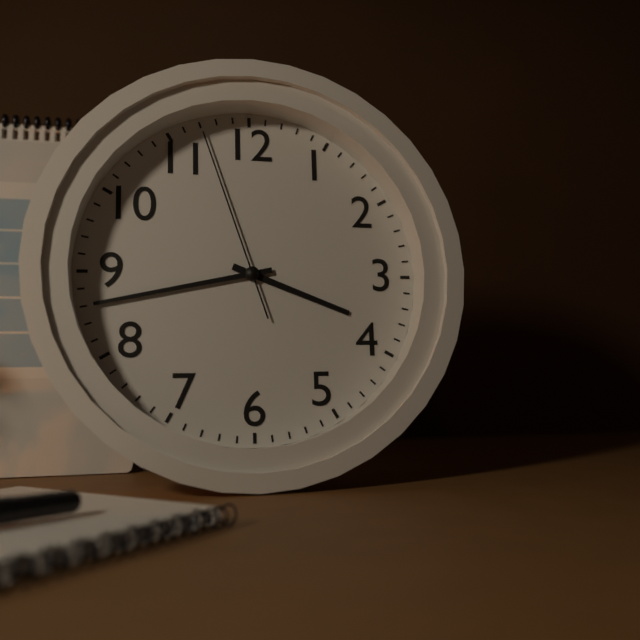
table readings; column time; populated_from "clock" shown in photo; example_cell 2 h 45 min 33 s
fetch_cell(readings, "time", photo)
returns 3 h 43 min 57 s
